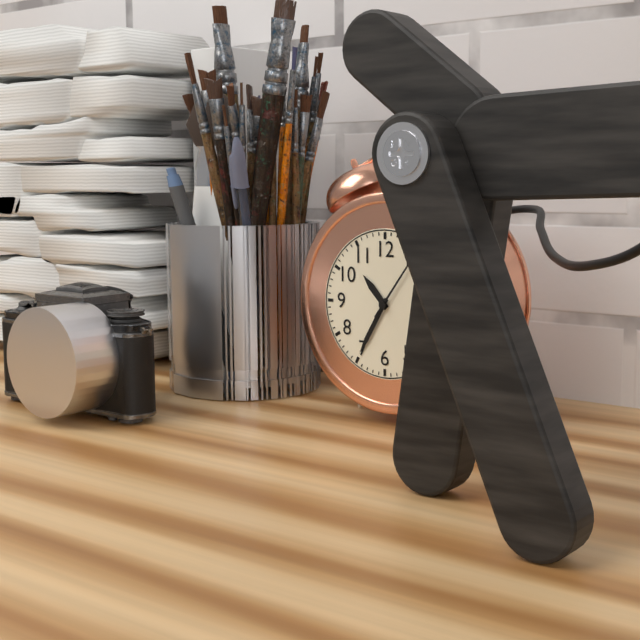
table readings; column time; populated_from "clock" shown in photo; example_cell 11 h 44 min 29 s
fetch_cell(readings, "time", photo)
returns 10 h 35 min 06 s
